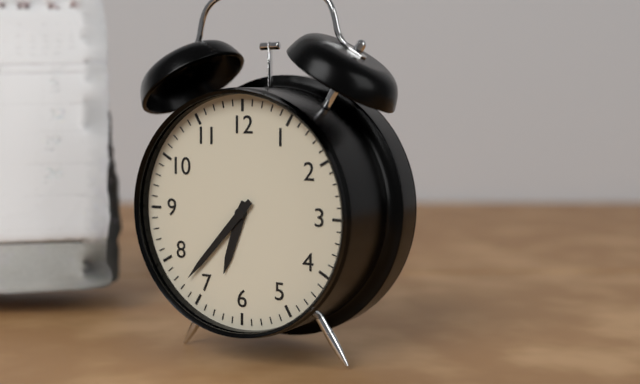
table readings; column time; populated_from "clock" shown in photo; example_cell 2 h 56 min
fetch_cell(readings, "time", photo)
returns 6 h 37 min
